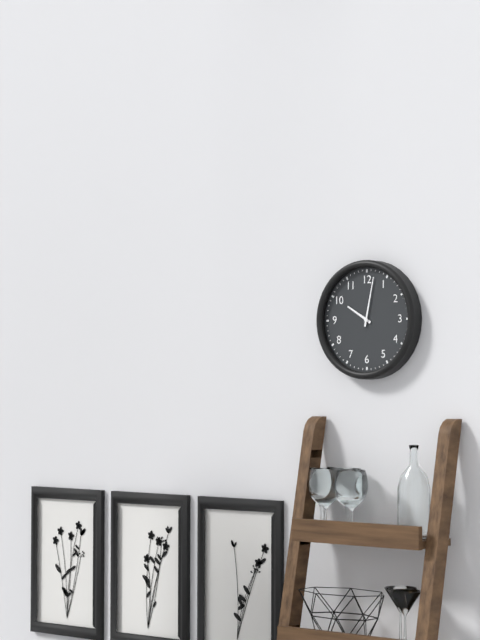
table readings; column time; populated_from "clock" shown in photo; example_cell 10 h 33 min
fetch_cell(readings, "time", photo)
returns 10 h 02 min
